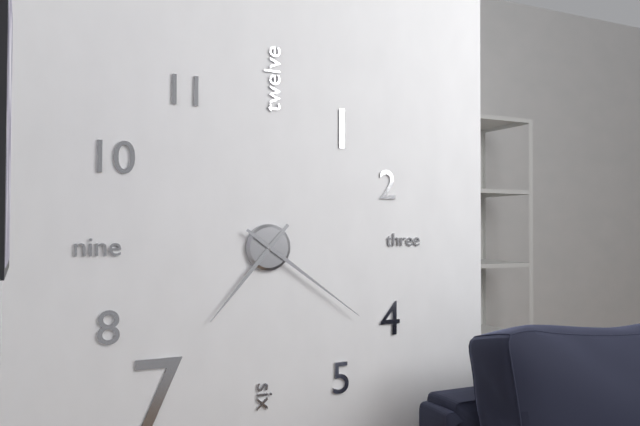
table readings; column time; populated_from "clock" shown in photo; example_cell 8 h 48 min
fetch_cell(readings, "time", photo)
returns 7 h 21 min
